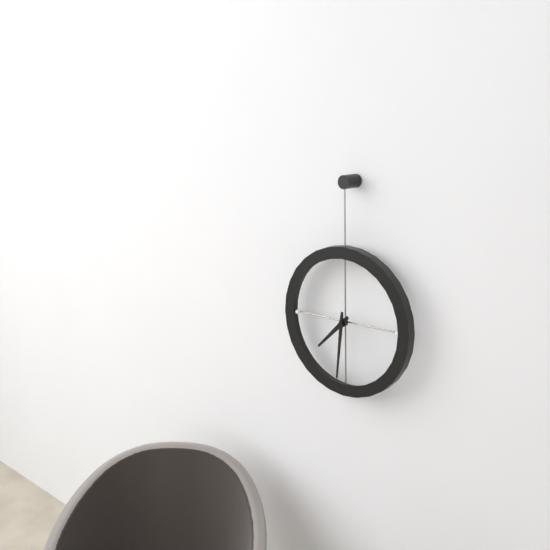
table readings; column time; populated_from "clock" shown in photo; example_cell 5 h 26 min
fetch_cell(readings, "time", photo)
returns 7 h 31 min
